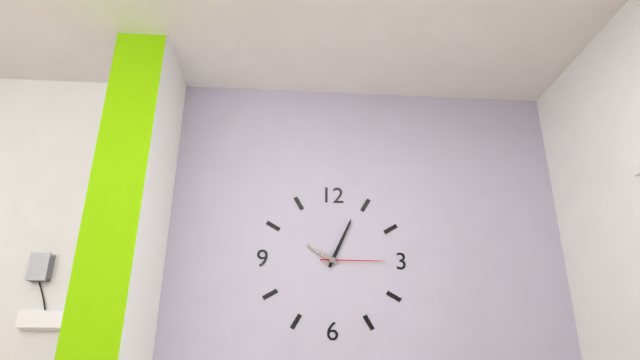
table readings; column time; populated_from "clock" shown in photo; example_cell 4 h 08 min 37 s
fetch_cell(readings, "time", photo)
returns 10 h 04 min 15 s
